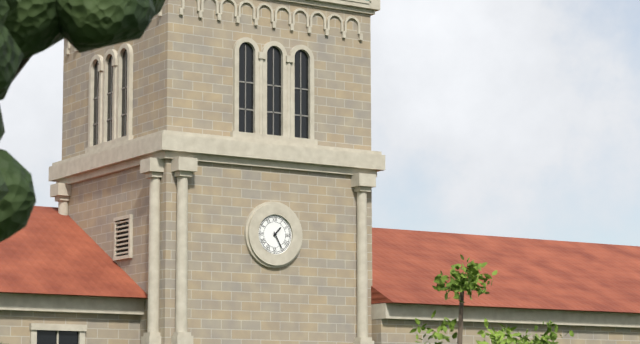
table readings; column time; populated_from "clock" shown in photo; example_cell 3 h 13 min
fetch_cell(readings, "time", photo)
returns 1 h 25 min
